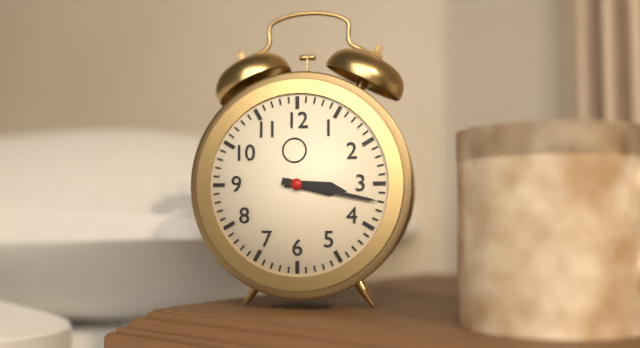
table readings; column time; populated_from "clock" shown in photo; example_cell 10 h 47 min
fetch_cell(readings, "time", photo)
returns 3 h 17 min
